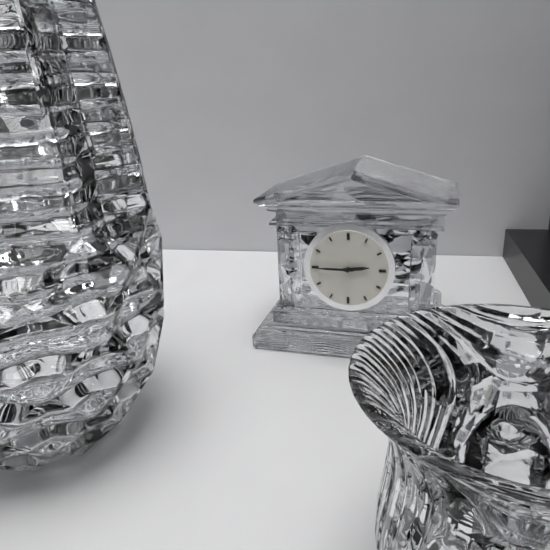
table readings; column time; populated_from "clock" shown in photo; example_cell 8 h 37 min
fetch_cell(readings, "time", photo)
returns 2 h 45 min
